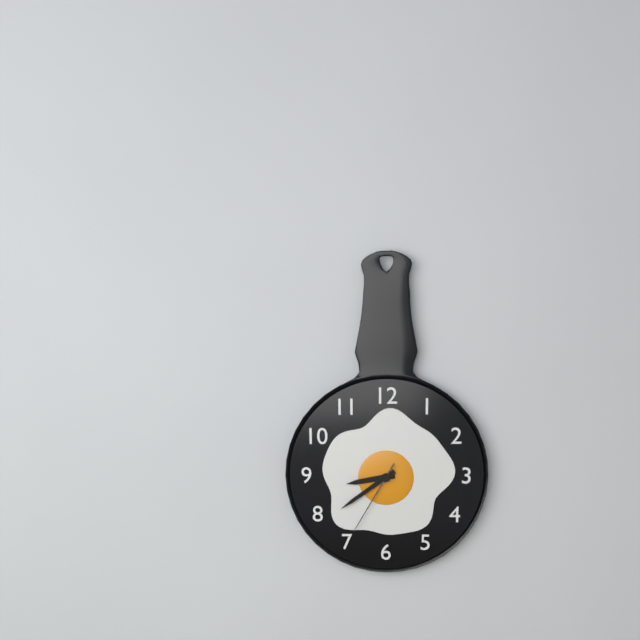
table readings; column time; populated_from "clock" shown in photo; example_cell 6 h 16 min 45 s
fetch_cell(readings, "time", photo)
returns 8 h 39 min 35 s
